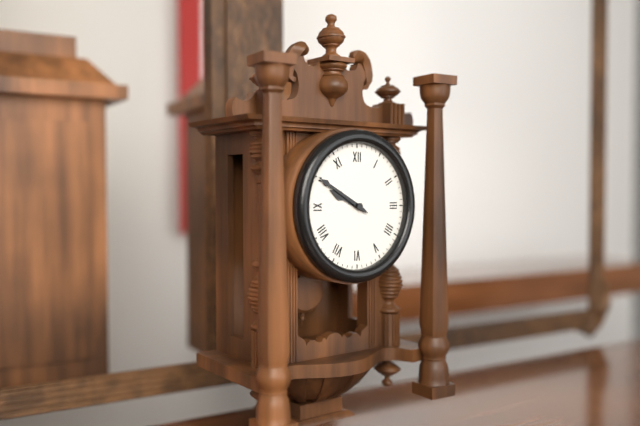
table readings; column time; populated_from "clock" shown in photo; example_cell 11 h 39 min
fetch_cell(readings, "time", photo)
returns 9 h 50 min
